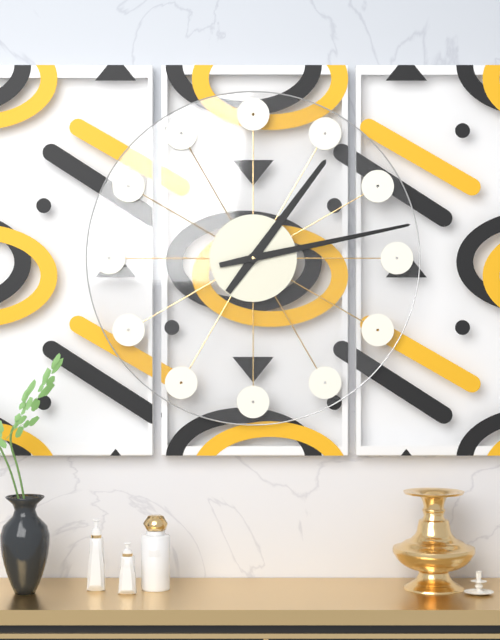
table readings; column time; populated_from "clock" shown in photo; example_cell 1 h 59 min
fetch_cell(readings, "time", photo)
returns 1 h 13 min
